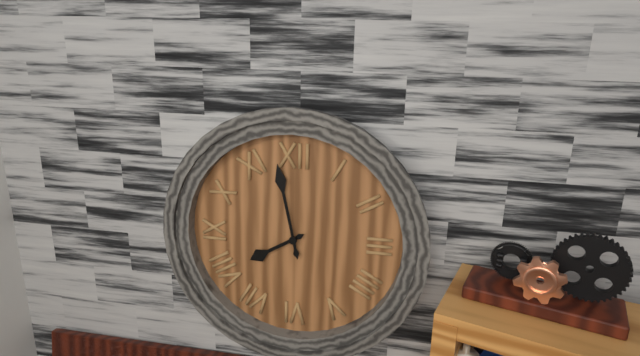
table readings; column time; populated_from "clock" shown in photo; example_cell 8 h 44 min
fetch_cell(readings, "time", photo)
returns 7 h 58 min
